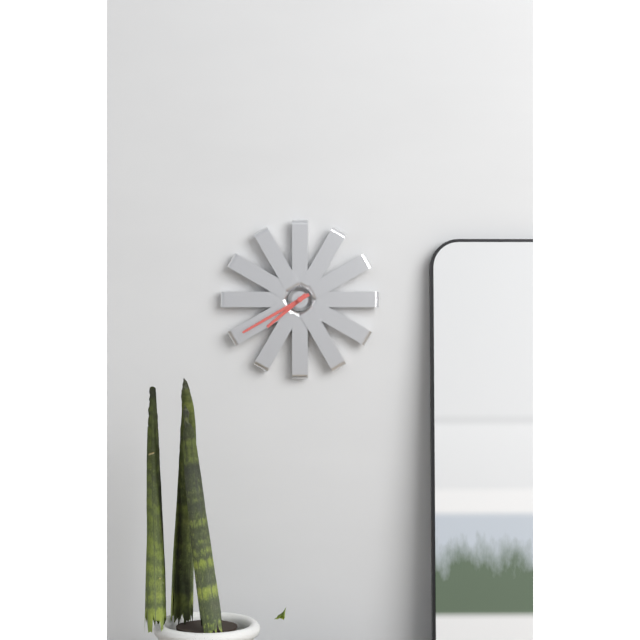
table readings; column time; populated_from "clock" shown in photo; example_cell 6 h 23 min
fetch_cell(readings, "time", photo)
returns 7 h 40 min
